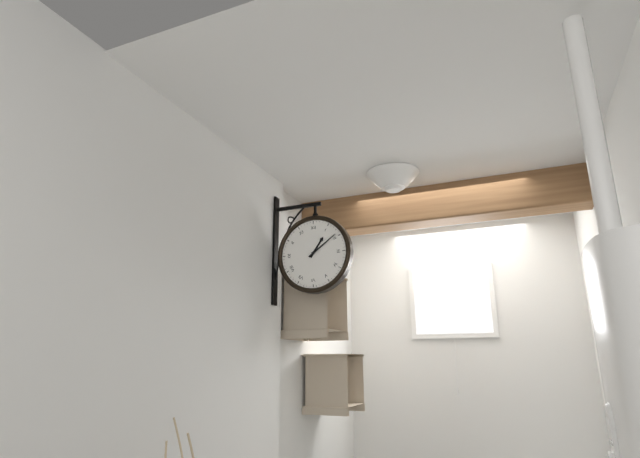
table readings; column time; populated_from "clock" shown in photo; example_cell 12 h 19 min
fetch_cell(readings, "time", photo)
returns 1 h 09 min
